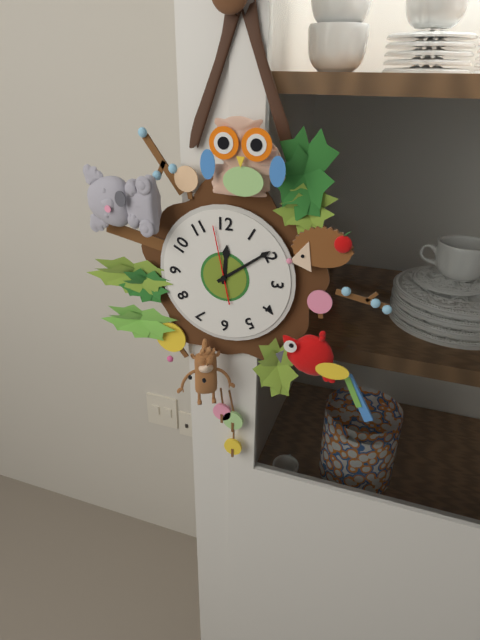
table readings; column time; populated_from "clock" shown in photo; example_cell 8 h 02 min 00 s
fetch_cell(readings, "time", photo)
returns 12 h 09 min 58 s
